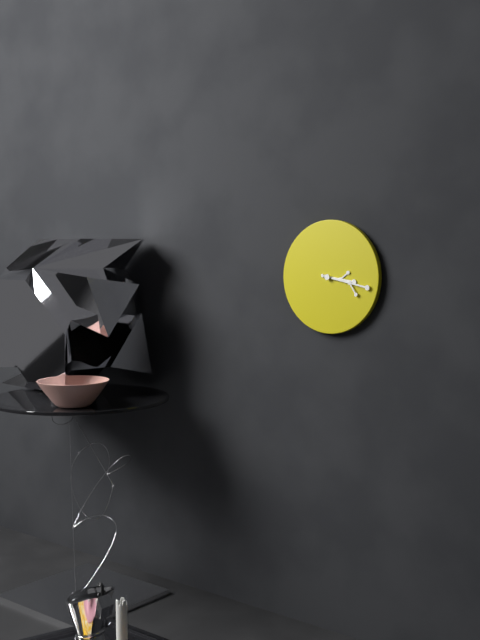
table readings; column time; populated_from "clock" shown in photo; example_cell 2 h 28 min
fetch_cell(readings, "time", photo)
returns 3 h 17 min
